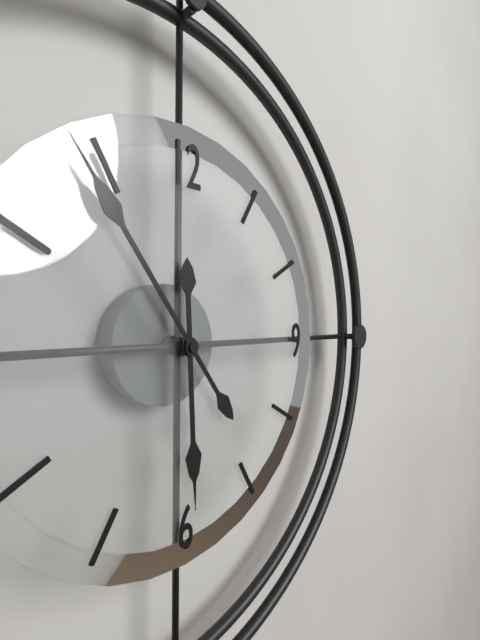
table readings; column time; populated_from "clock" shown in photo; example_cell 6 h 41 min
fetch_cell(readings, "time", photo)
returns 5 h 54 min
